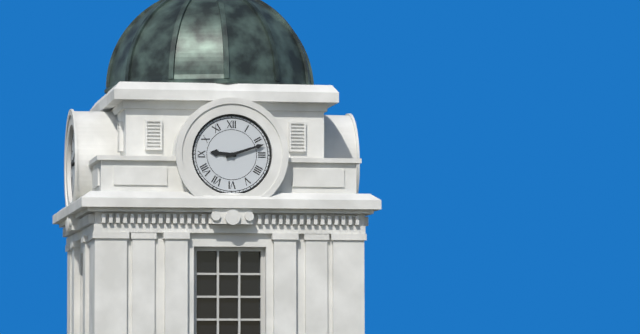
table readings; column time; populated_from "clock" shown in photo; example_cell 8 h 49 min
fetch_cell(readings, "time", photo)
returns 9 h 12 min
